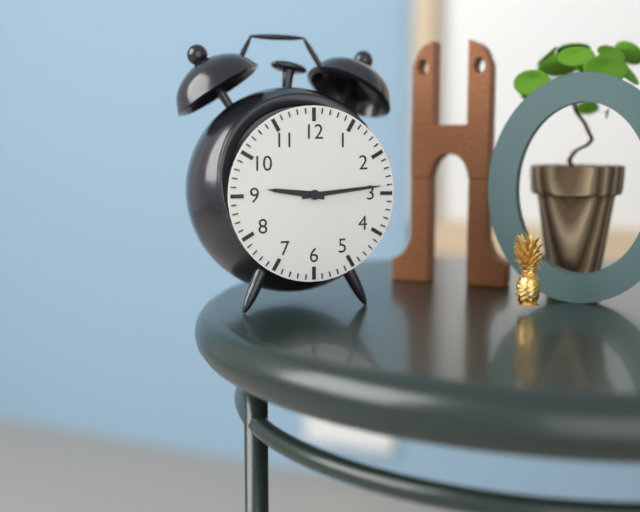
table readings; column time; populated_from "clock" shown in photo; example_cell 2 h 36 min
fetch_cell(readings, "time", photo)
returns 9 h 14 min
